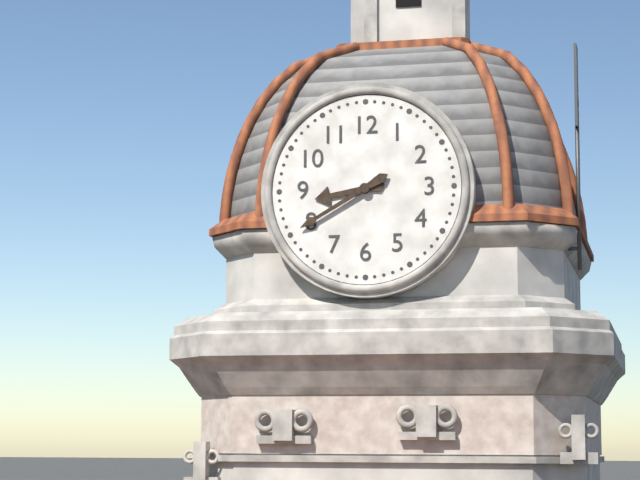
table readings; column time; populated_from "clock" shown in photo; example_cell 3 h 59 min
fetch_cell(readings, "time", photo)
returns 8 h 40 min
